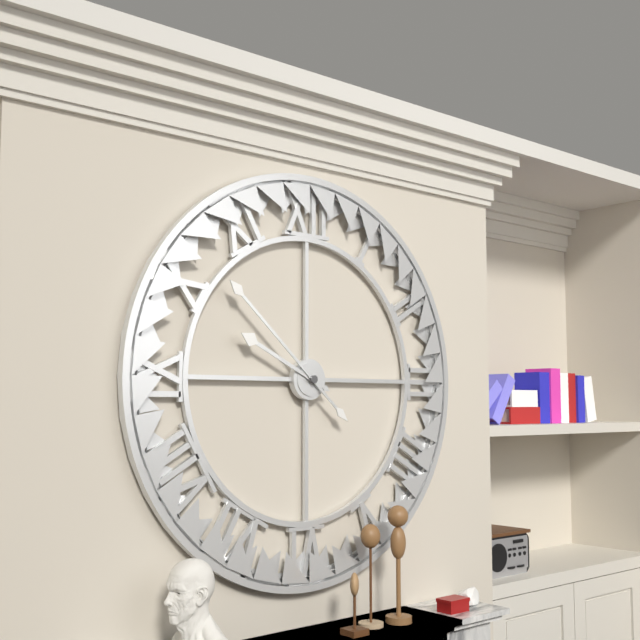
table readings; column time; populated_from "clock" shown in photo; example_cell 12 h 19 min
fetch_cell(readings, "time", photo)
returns 9 h 52 min
